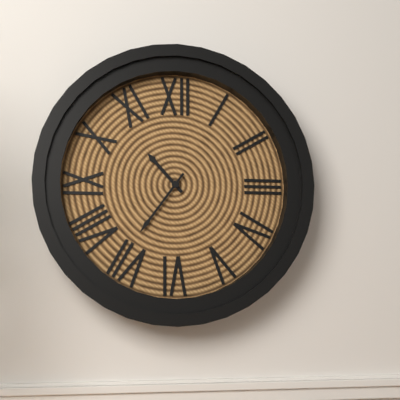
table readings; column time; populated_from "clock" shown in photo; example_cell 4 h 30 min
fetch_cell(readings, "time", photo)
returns 10 h 36 min
